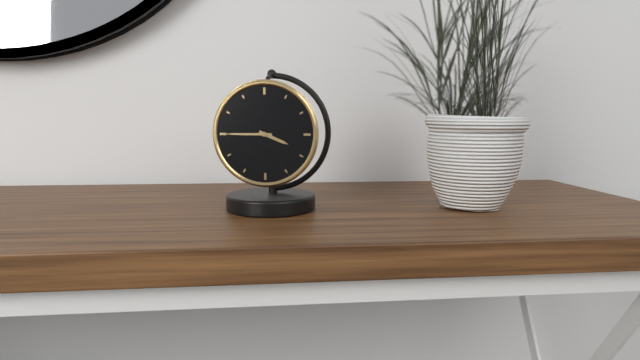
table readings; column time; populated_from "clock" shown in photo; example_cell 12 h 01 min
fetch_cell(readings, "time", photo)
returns 3 h 45 min
